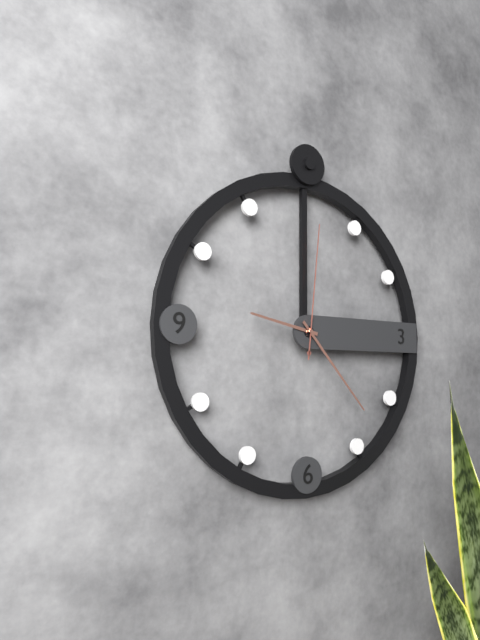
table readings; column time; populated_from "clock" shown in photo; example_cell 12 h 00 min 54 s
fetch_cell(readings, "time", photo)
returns 9 h 23 min 01 s
